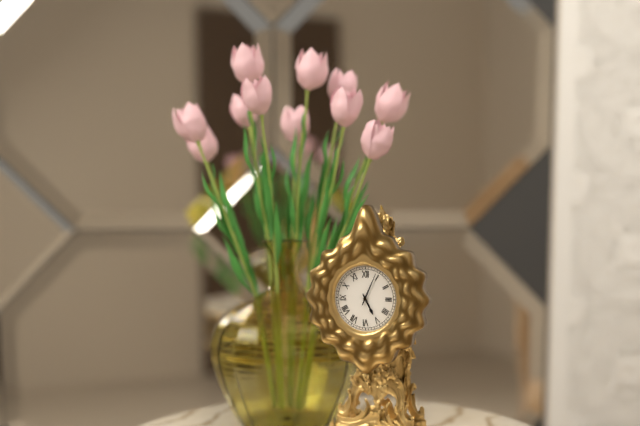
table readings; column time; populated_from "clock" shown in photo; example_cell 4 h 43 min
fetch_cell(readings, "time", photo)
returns 5 h 04 min
